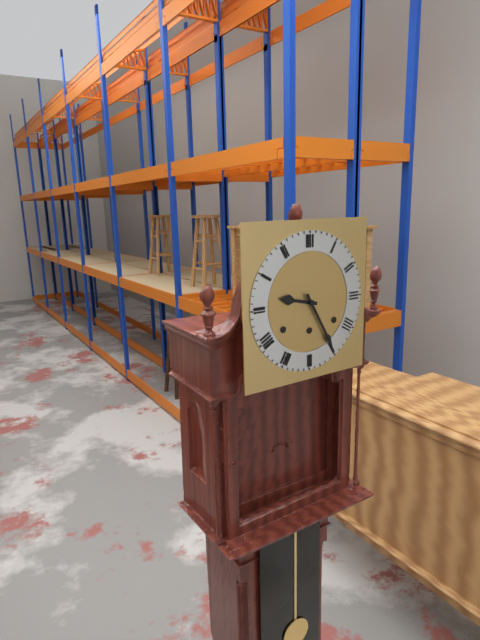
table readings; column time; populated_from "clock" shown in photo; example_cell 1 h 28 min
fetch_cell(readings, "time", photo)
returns 9 h 25 min
